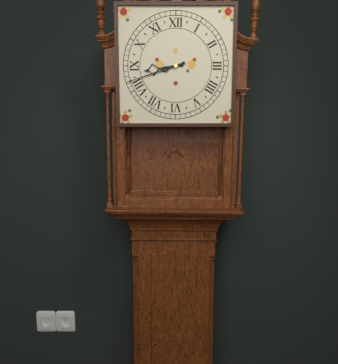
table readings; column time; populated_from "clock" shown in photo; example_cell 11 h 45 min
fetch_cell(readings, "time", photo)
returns 8 h 42 min
